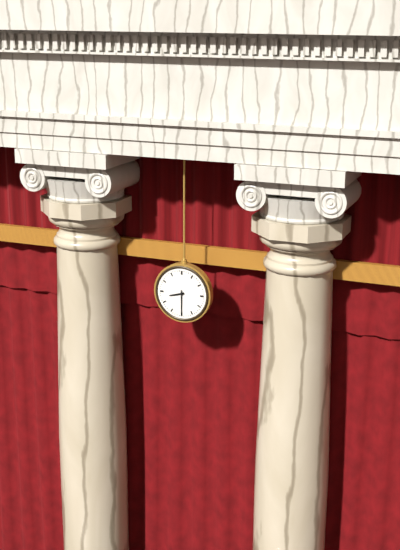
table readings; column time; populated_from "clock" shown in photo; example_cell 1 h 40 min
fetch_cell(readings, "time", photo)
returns 8 h 30 min
